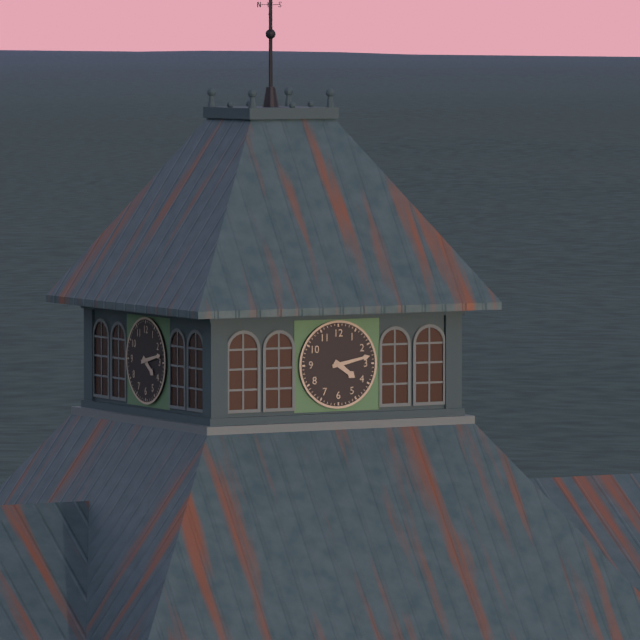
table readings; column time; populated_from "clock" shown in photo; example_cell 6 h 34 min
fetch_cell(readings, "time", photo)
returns 4 h 13 min
